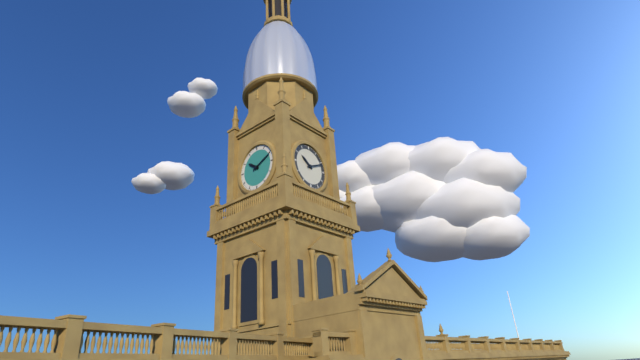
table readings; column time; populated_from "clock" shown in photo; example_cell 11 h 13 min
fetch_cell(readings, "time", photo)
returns 10 h 11 min
